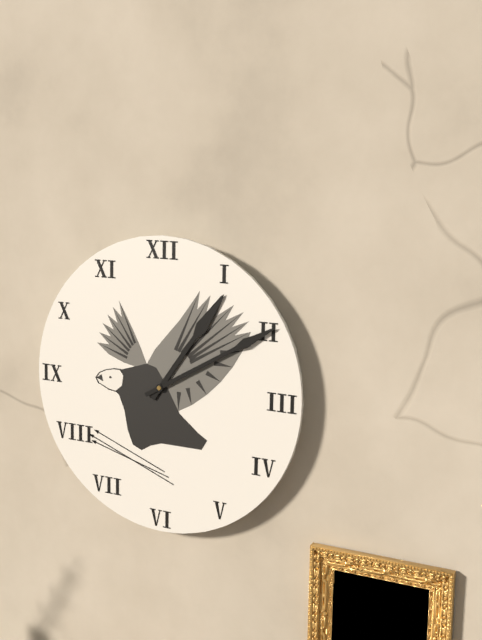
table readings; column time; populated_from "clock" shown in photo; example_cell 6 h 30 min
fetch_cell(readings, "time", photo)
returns 1 h 10 min
